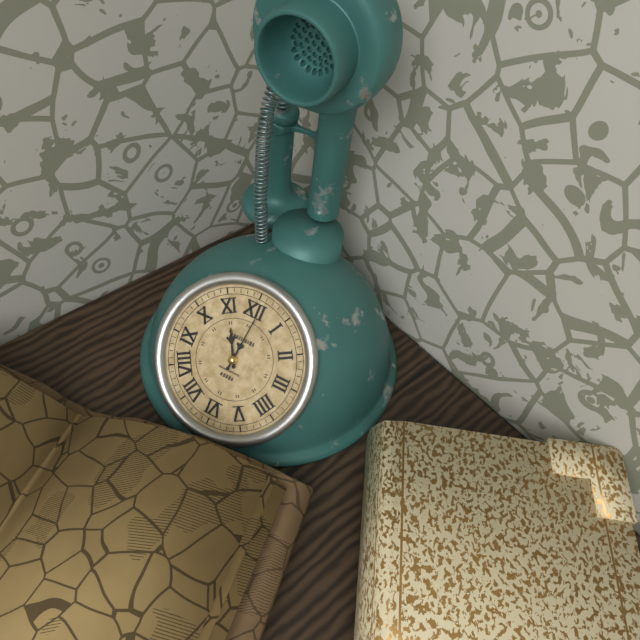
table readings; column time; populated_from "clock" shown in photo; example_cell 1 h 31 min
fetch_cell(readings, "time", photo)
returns 11 h 01 min
